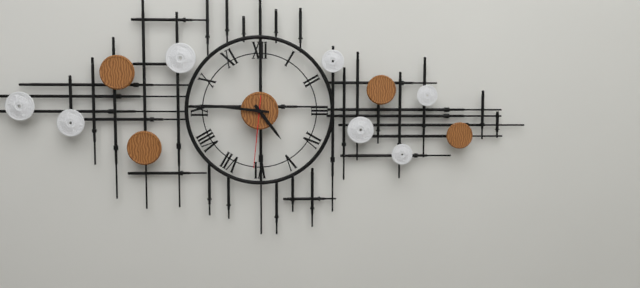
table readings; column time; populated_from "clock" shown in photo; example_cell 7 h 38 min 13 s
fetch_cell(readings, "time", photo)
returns 4 h 46 min 31 s
